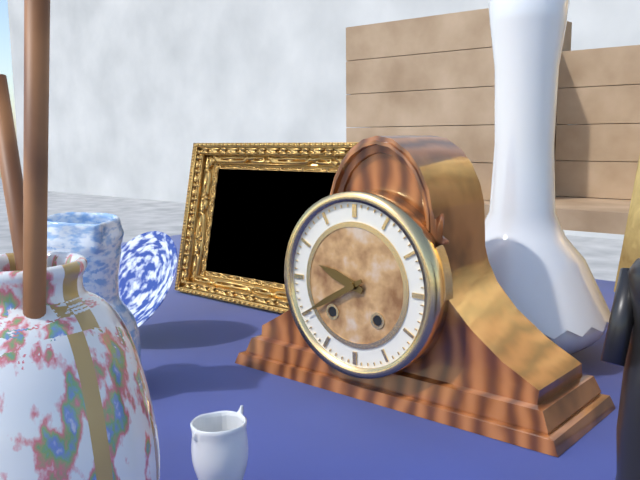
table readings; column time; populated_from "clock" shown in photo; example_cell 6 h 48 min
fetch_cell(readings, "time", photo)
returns 9 h 40 min
